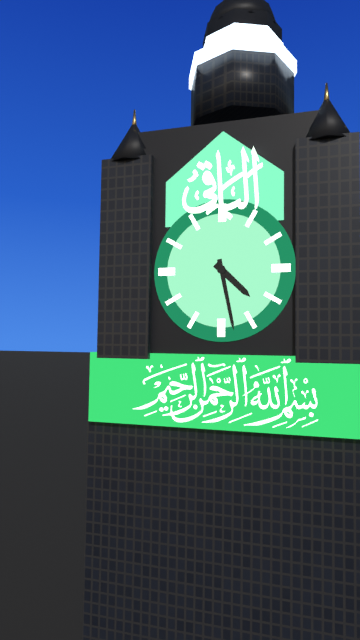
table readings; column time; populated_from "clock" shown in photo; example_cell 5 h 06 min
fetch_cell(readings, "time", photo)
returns 4 h 28 min
